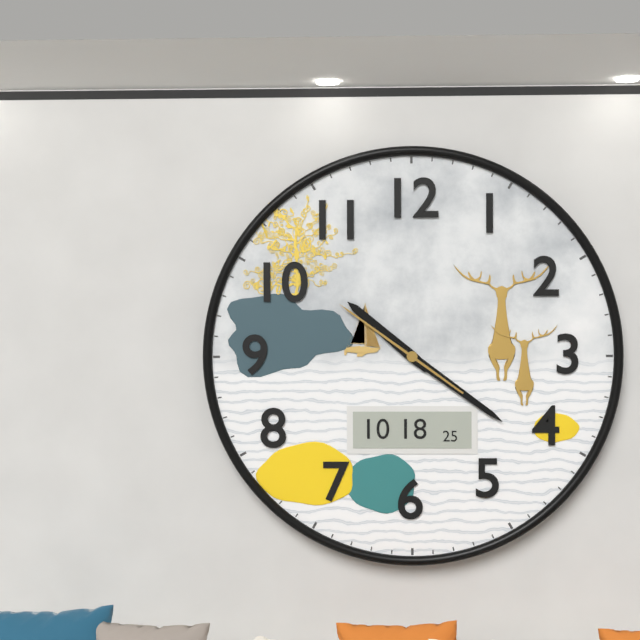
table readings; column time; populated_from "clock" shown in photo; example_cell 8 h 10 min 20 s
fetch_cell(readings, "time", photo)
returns 10 h 21 min 51 s
